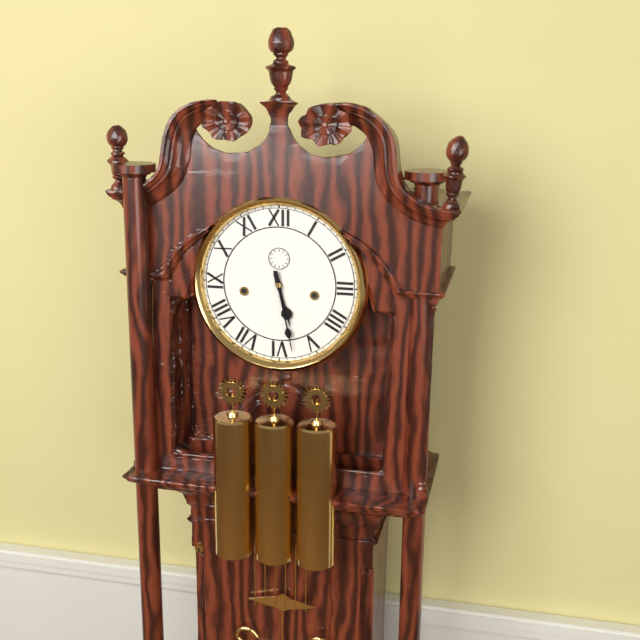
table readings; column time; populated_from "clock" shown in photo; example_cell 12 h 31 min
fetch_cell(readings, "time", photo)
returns 5 h 28 min
